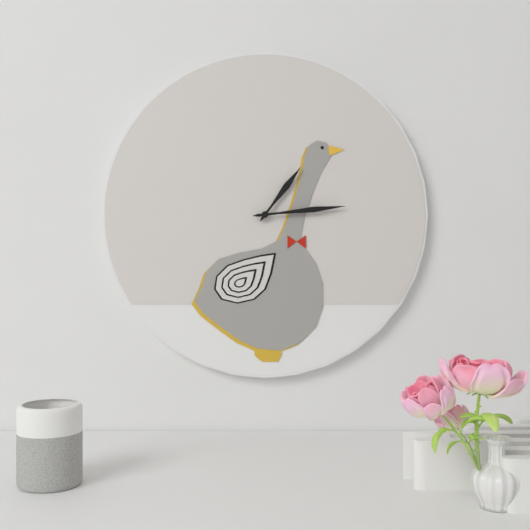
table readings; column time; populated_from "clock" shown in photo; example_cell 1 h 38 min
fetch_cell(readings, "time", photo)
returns 1 h 14 min
